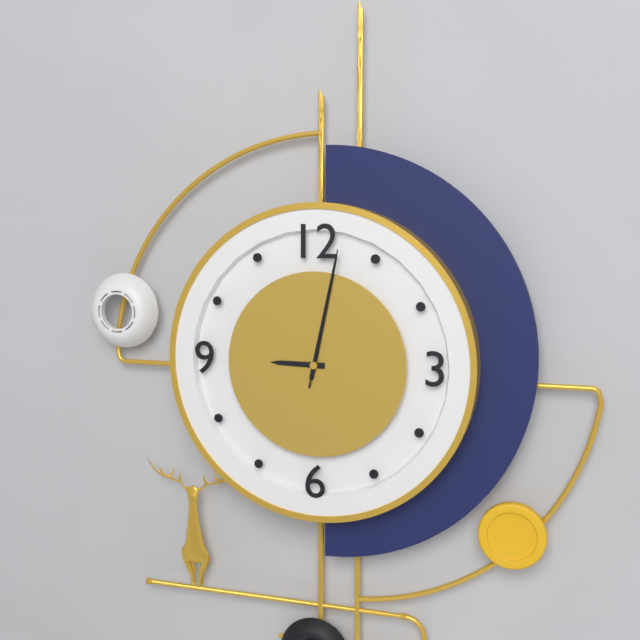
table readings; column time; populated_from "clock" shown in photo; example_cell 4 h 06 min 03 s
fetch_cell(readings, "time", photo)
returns 9 h 02 min 02 s
